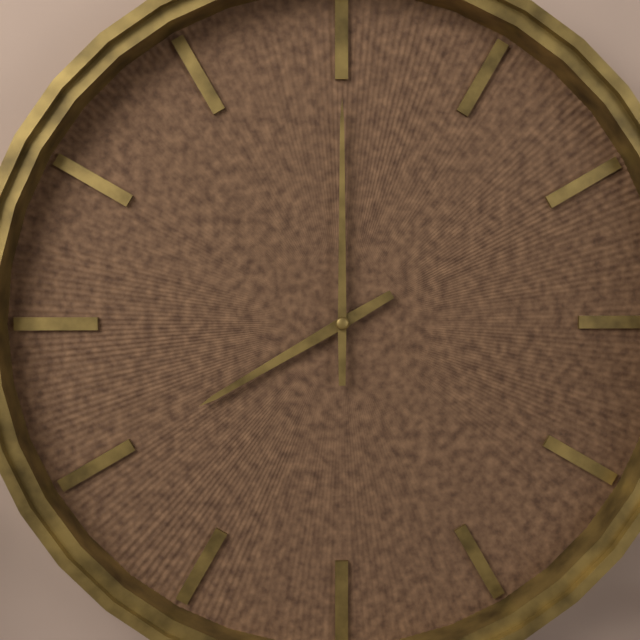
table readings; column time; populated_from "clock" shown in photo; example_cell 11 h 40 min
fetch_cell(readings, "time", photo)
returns 8 h 00 min
